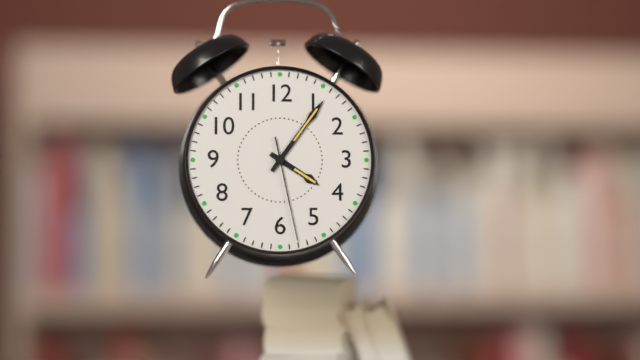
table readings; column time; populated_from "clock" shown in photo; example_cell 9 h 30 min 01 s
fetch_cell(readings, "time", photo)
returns 4 h 06 min 28 s
